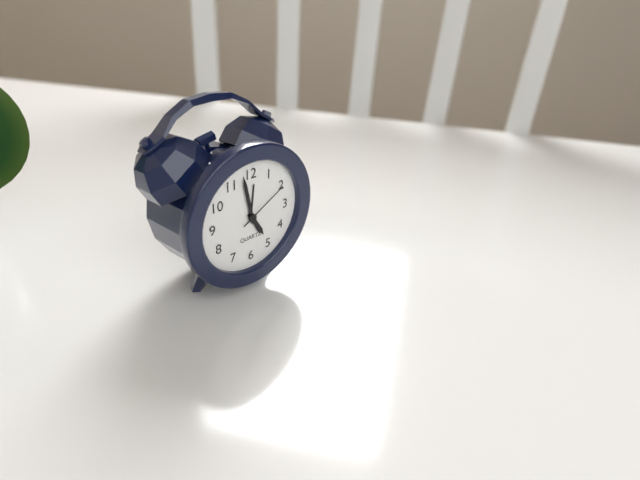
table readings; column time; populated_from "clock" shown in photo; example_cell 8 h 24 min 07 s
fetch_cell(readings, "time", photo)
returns 4 h 58 min 10 s
